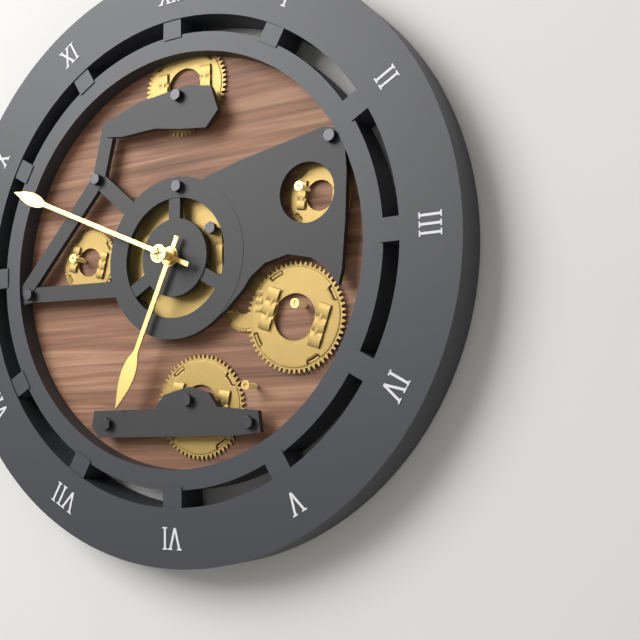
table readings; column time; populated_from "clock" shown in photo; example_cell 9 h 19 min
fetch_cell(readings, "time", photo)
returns 6 h 49 min
